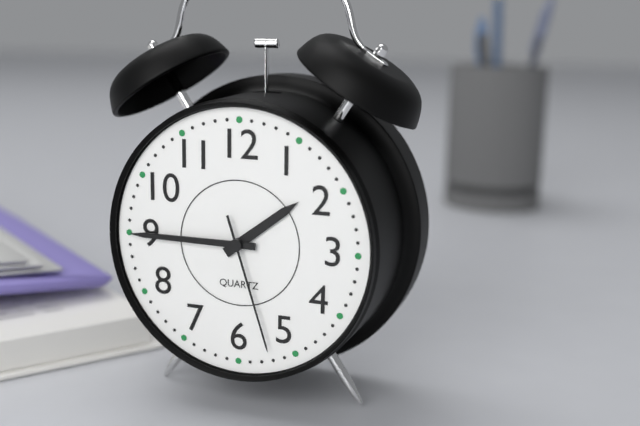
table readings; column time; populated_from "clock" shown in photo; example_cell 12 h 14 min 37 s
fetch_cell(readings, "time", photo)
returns 1 h 45 min 27 s
